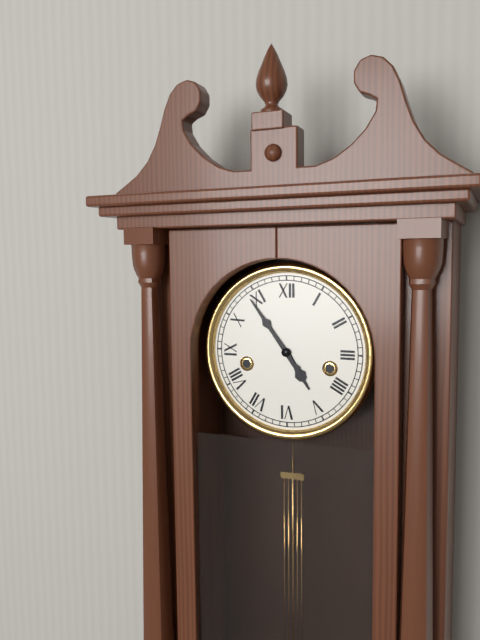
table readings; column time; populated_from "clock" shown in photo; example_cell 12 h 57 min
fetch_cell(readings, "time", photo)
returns 4 h 54 min
